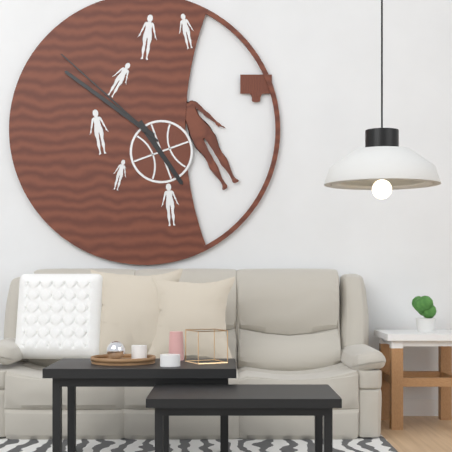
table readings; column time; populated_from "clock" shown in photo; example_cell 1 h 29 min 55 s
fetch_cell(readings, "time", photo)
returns 4 h 51 min 52 s
